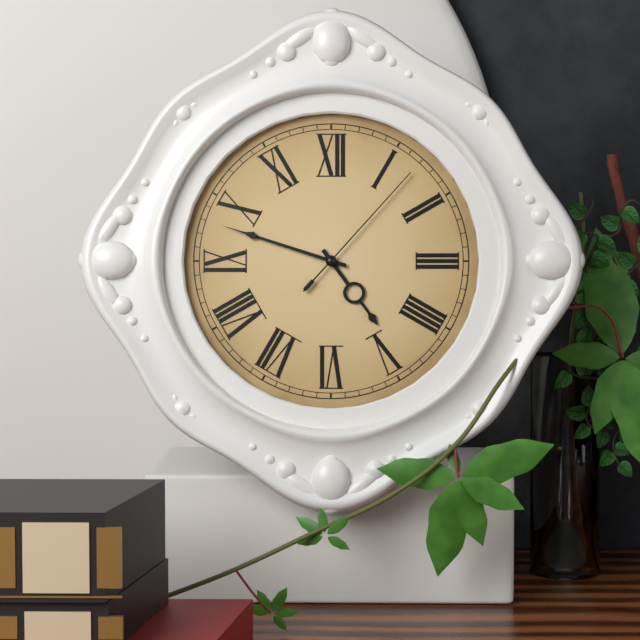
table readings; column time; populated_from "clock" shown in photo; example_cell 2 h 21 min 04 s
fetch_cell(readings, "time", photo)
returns 4 h 48 min 07 s
